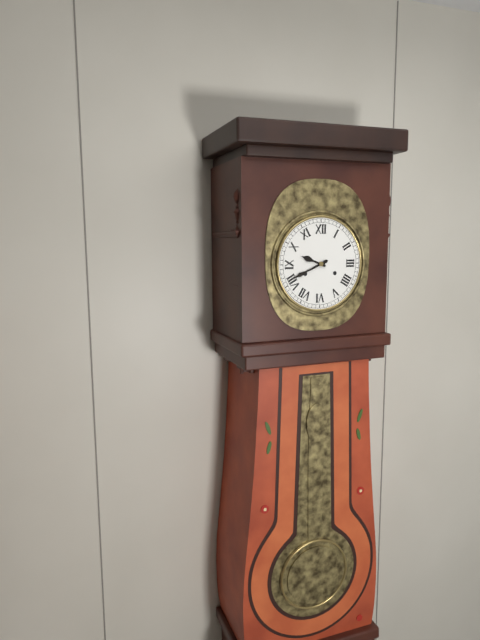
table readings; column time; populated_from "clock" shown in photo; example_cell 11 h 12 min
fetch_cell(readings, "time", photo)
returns 9 h 41 min
